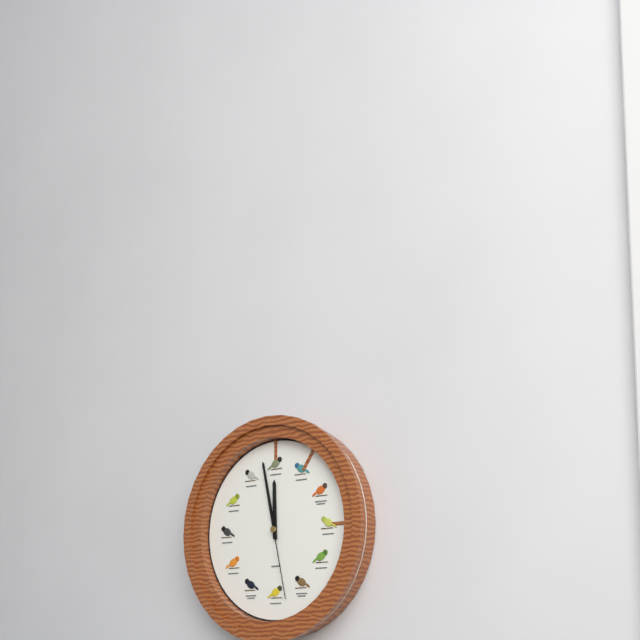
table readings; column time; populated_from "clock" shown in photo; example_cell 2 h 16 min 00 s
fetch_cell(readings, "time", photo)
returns 11 h 58 min 28 s
